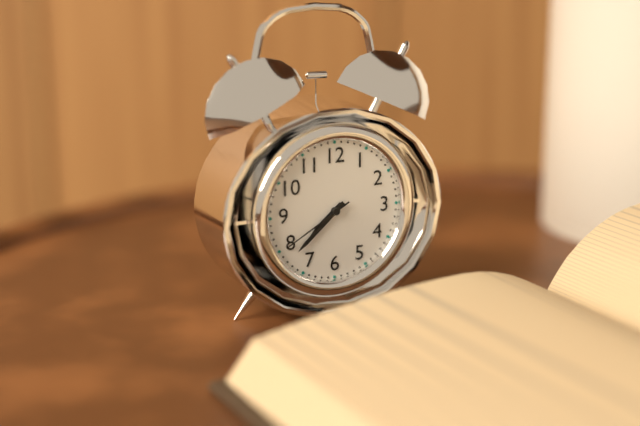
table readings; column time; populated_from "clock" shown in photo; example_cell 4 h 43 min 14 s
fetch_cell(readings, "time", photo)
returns 7 h 38 min 40 s
